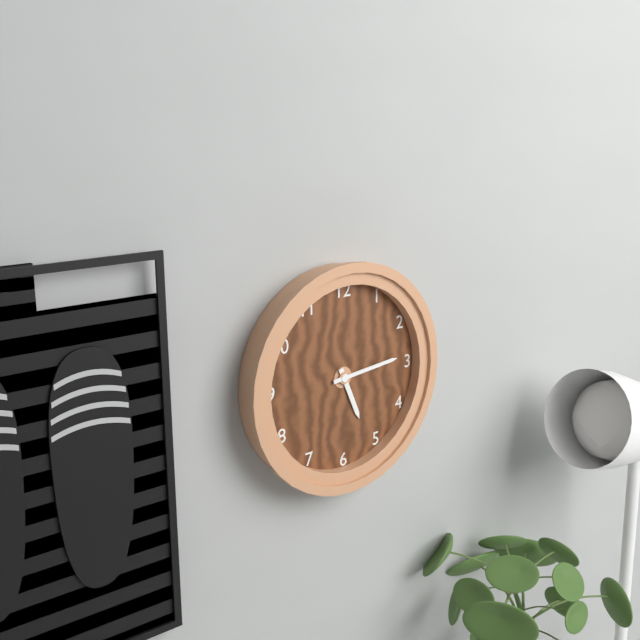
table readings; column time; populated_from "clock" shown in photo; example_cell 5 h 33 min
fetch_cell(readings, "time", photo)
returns 5 h 14 min
